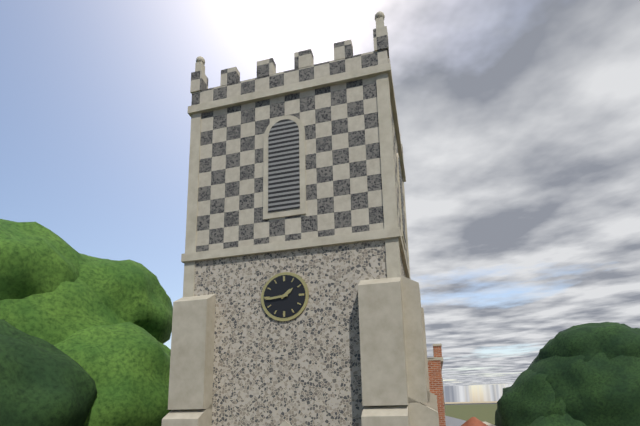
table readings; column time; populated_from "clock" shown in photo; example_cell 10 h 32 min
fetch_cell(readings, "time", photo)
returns 1 h 44 min
